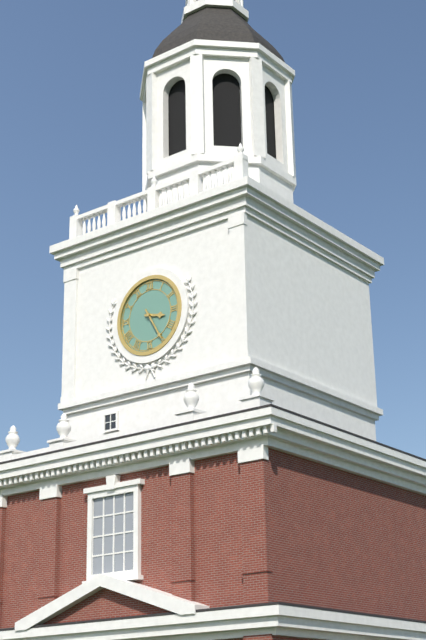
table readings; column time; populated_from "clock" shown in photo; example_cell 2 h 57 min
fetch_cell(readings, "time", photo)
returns 3 h 25 min
